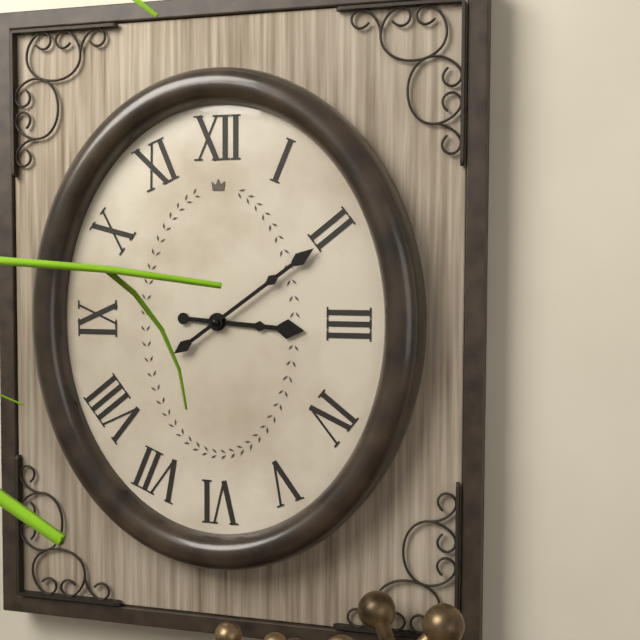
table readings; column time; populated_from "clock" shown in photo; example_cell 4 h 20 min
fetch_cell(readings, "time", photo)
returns 3 h 09 min
